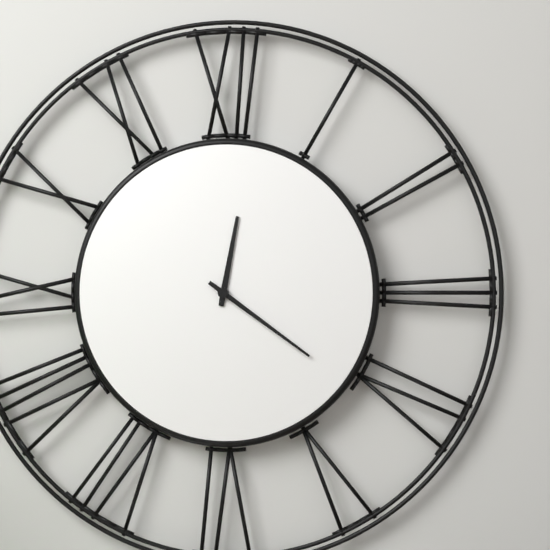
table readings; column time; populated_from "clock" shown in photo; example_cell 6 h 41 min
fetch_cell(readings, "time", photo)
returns 12 h 21 min
